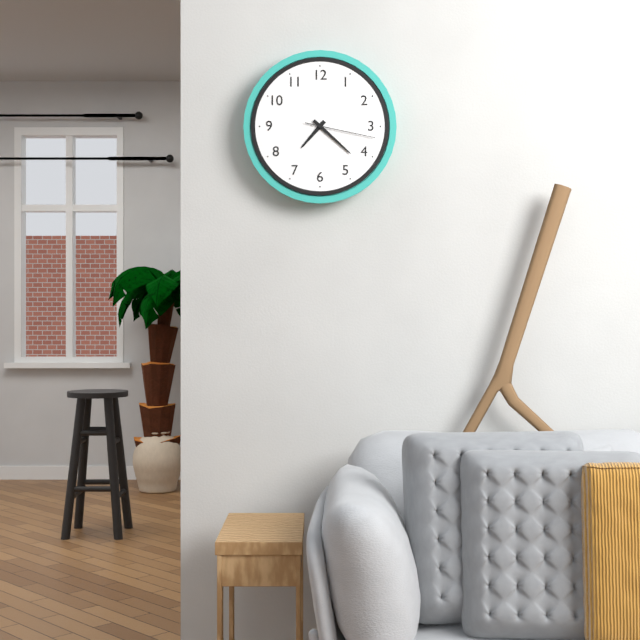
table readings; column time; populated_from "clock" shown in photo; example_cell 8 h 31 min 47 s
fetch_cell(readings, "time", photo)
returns 7 h 22 min 17 s
